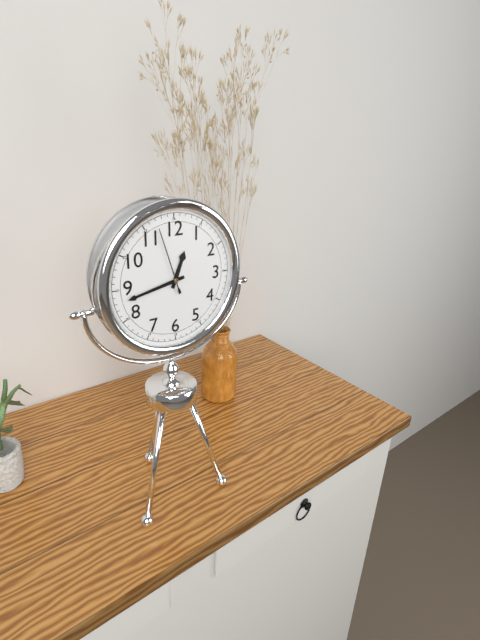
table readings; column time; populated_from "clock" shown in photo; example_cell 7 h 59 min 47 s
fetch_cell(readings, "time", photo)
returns 12 h 43 min 57 s
